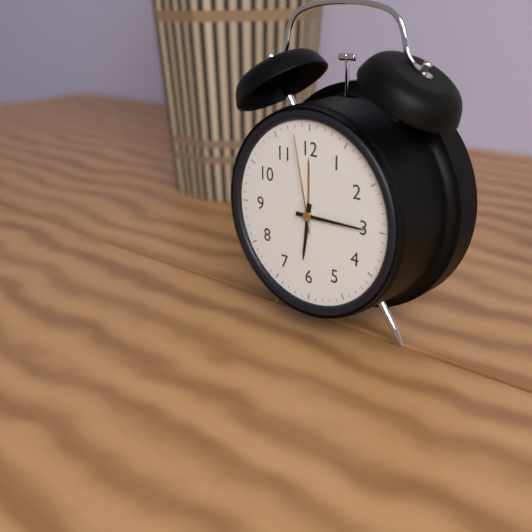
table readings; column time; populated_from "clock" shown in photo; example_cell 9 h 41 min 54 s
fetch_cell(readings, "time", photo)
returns 6 h 15 min 58 s
